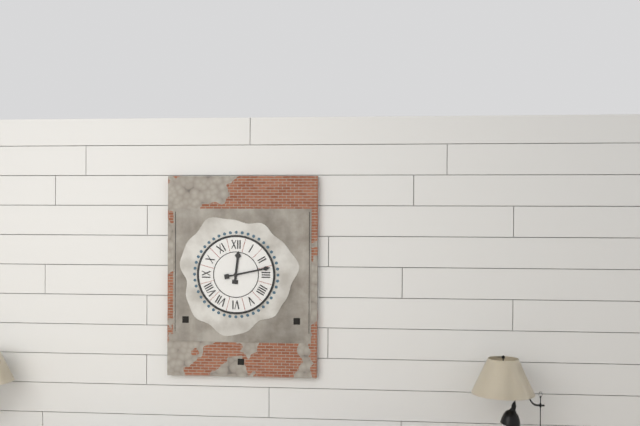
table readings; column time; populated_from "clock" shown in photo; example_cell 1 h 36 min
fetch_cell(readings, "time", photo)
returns 12 h 13 min
